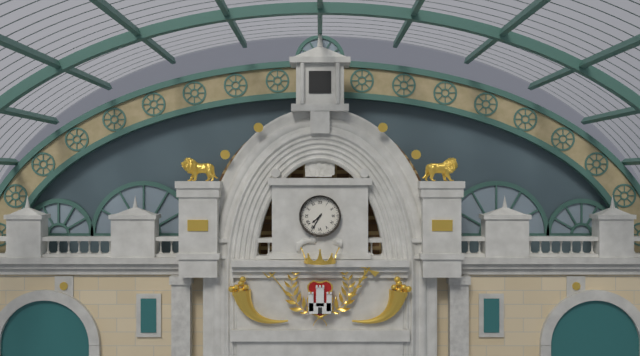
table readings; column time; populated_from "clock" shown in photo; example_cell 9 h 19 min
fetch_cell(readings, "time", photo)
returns 7 h 35 min
